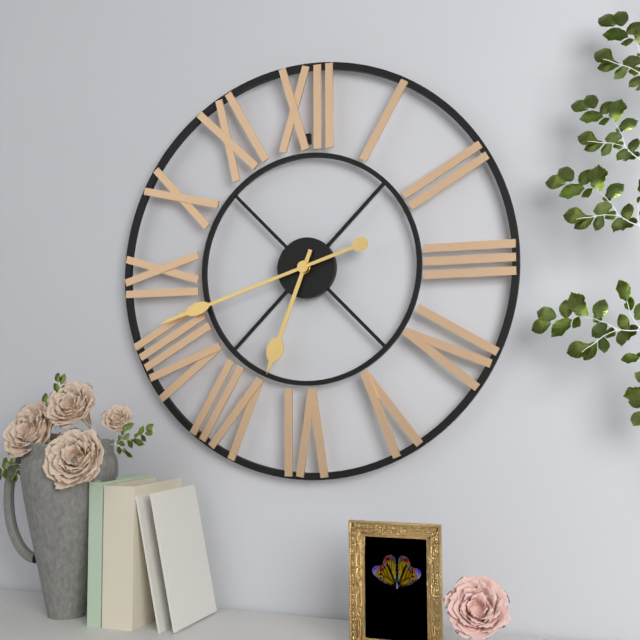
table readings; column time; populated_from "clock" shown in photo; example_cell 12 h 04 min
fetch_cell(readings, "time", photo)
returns 6 h 42 min
